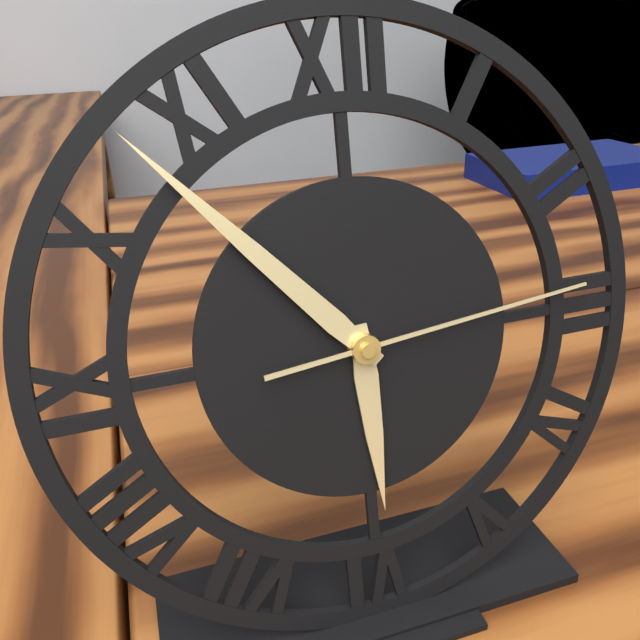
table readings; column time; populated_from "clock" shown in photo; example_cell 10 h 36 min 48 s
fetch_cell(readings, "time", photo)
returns 5 h 53 min 14 s
